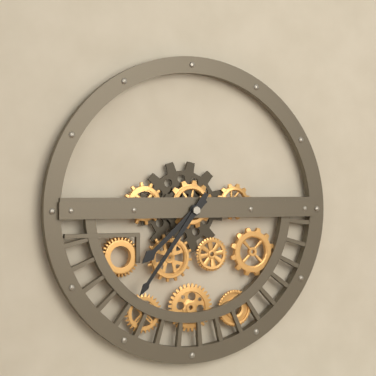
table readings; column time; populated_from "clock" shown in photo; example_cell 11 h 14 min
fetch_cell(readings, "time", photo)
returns 7 h 36 min
